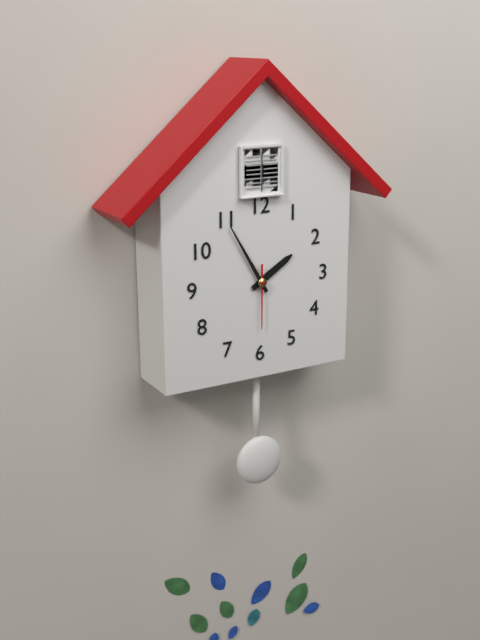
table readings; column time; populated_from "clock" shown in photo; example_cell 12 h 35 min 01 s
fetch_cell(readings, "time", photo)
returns 1 h 55 min 30 s
